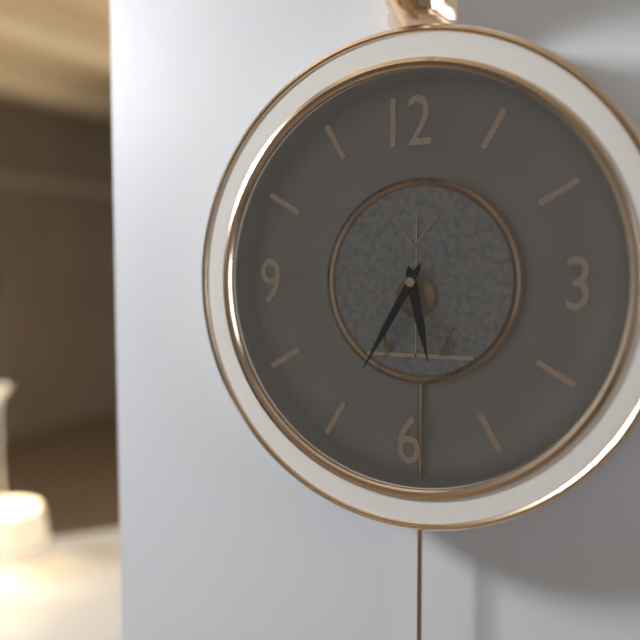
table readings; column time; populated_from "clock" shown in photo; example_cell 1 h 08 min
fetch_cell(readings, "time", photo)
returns 5 h 35 min
